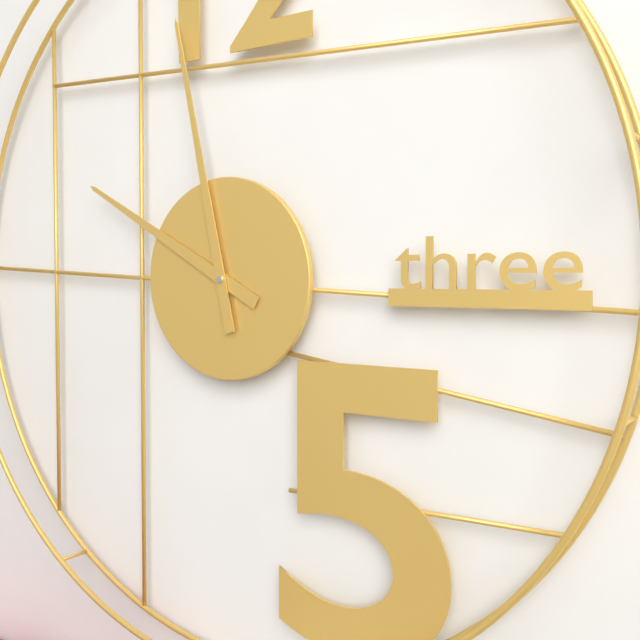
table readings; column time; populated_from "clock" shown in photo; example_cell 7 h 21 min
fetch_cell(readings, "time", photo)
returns 9 h 58 min
